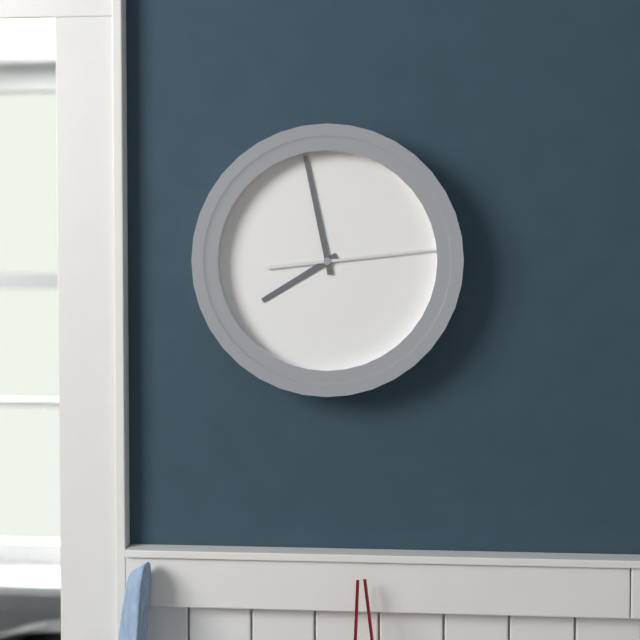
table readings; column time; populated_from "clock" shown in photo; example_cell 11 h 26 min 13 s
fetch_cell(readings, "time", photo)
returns 7 h 58 min 14 s
